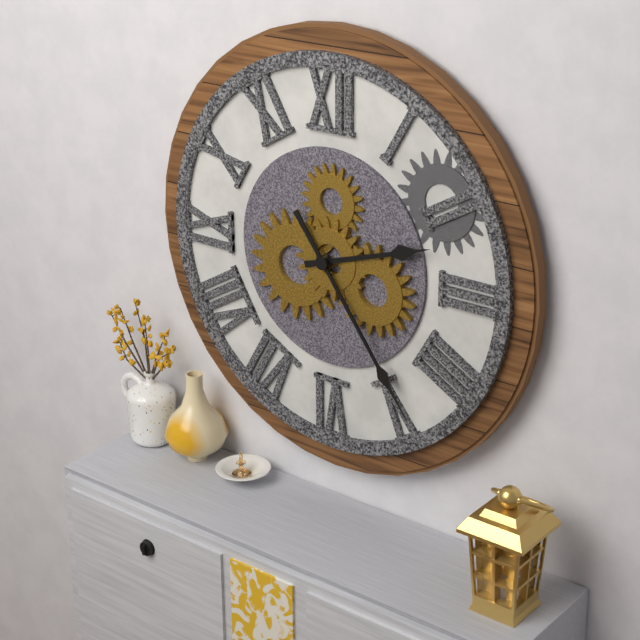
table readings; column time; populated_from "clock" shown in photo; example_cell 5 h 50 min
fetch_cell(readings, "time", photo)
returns 2 h 24 min
